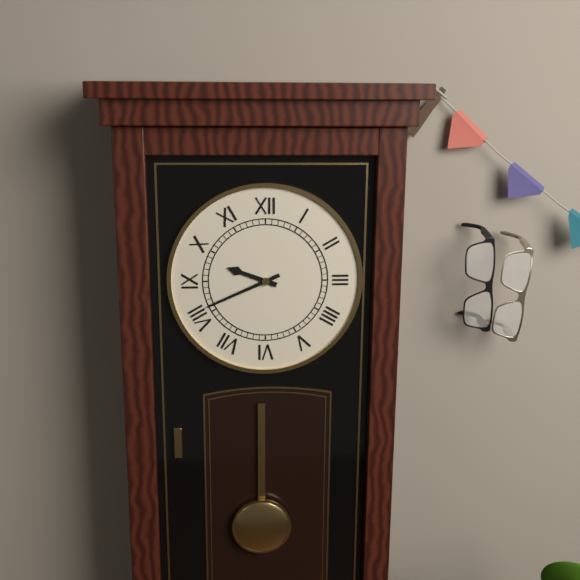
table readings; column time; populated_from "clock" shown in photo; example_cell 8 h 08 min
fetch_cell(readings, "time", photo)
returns 9 h 41 min
